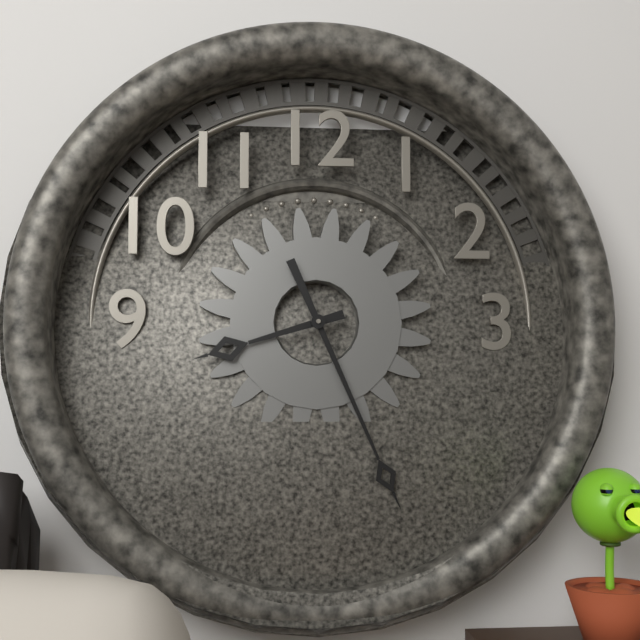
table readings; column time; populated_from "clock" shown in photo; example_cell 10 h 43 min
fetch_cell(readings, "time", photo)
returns 8 h 26 min
